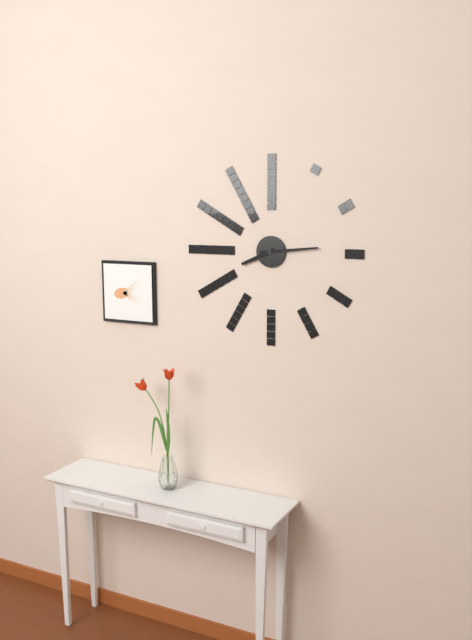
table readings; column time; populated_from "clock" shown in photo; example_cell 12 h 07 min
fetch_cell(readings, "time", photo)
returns 8 h 14 min
